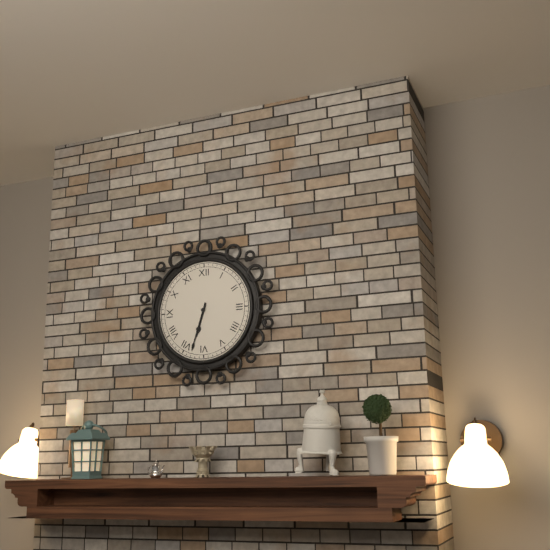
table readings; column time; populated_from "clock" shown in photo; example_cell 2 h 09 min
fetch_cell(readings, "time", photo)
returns 6 h 33 min
